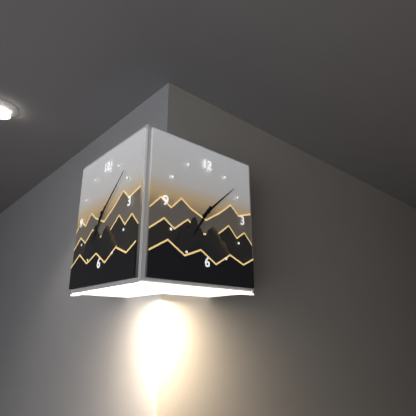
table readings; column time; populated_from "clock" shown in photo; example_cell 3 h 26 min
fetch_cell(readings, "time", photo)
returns 7 h 08 min
